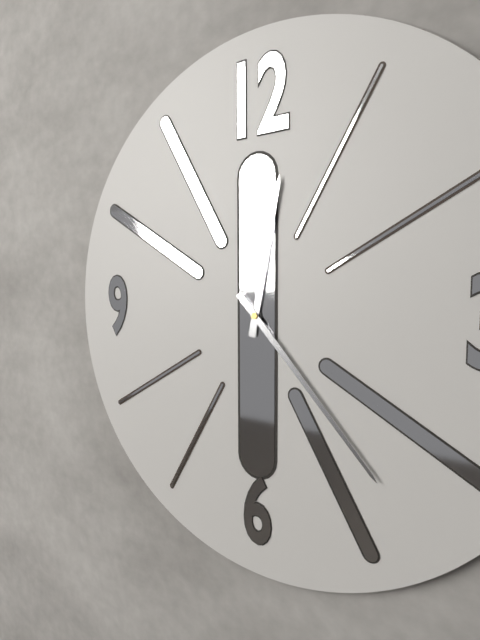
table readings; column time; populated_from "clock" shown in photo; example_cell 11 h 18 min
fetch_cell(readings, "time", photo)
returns 12 h 23 min
